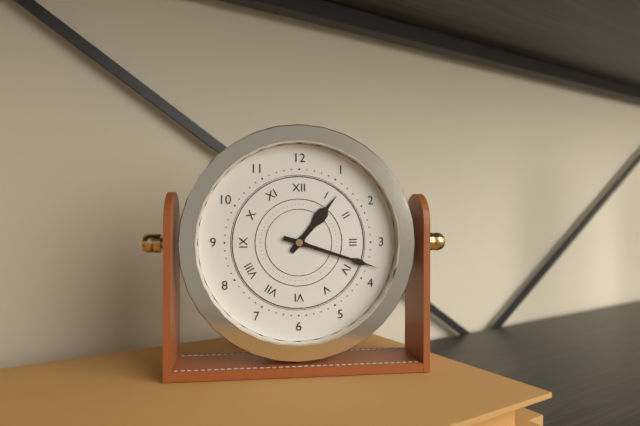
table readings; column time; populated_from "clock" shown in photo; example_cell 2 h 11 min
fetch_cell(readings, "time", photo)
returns 1 h 18 min
